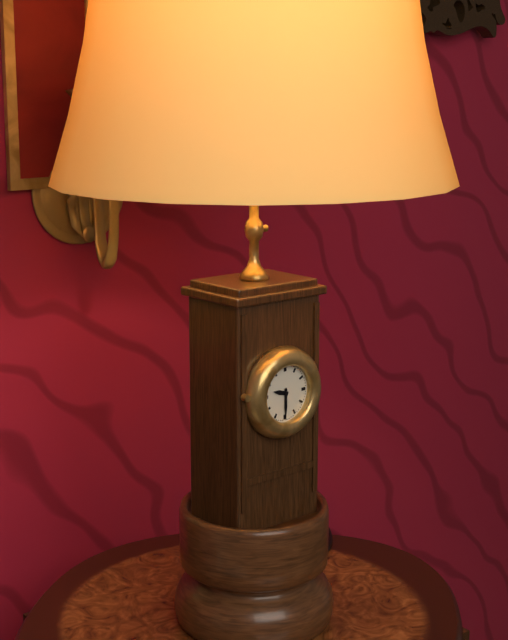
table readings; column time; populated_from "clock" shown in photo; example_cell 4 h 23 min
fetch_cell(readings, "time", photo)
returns 9 h 30 min
